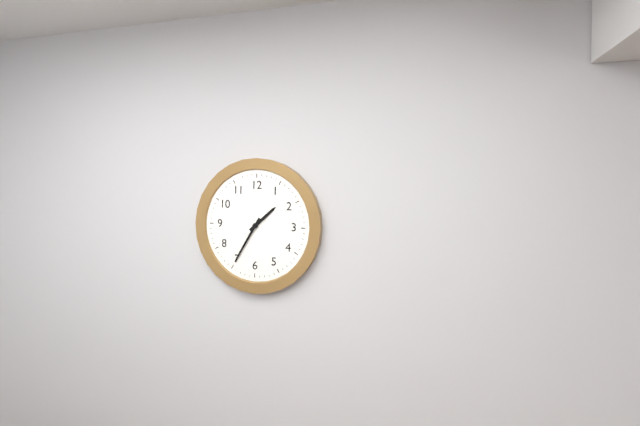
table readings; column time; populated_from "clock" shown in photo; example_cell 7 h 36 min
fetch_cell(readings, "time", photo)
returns 1 h 35 min
